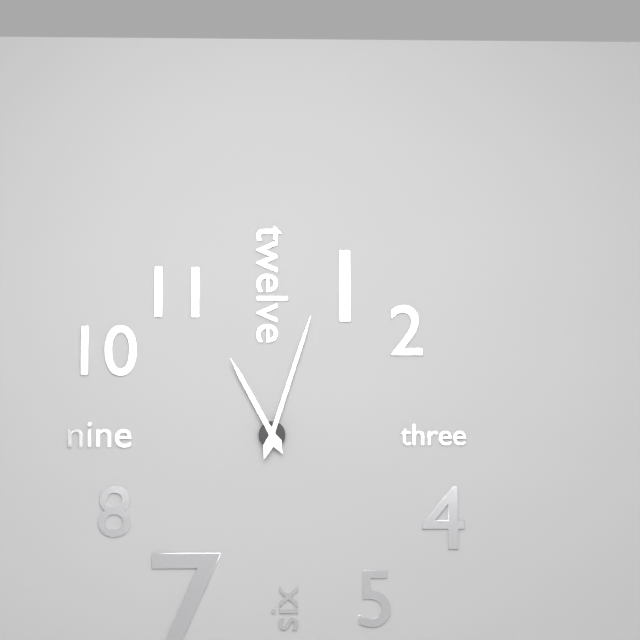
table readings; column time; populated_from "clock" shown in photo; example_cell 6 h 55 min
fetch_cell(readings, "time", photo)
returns 11 h 03 min
